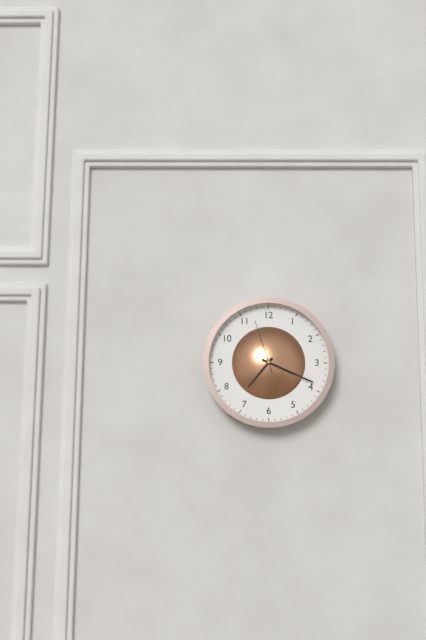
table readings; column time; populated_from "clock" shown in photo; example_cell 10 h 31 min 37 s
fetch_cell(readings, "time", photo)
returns 7 h 19 min 57 s
